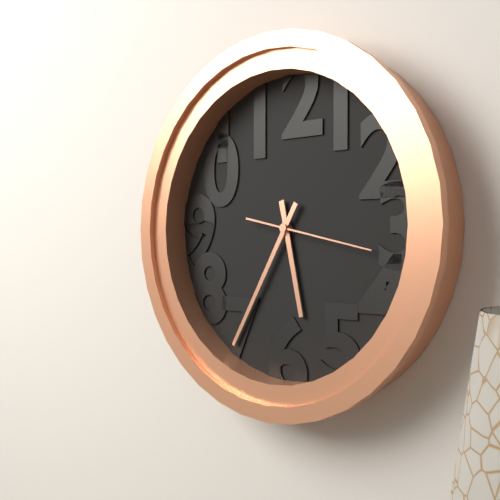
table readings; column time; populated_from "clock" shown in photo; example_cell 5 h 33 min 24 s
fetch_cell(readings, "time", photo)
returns 5 h 35 min 17 s
